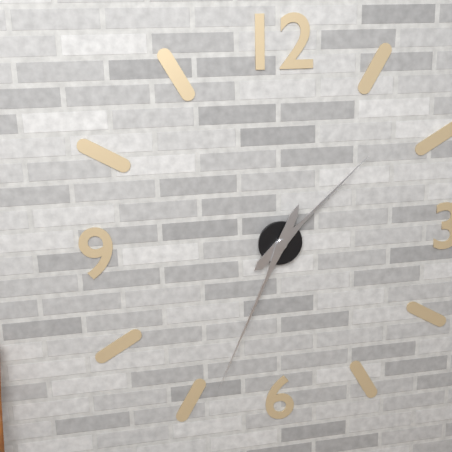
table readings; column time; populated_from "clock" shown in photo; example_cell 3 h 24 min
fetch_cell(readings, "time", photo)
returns 1 h 34 min
